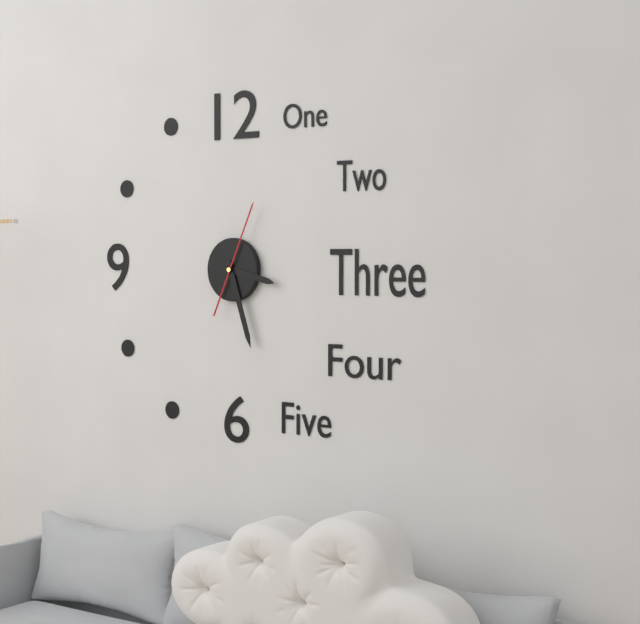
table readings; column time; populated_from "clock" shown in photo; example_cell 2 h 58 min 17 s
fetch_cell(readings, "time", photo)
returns 3 h 27 min 04 s
